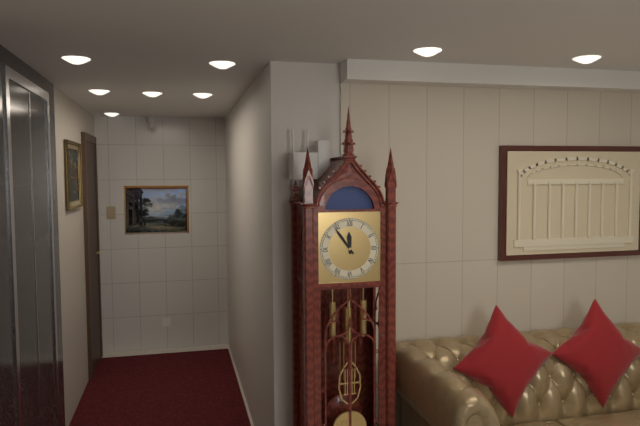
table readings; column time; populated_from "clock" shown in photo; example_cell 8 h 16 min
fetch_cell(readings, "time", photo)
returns 11 h 54 min
